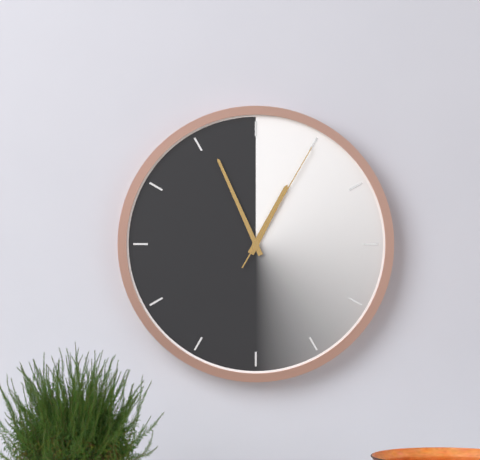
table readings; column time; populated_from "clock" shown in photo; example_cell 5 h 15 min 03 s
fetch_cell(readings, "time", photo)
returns 12 h 56 min 05 s
